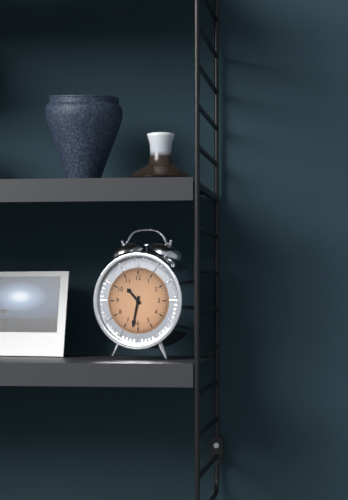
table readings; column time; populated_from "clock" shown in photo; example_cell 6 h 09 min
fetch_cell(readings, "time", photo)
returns 10 h 32 min
